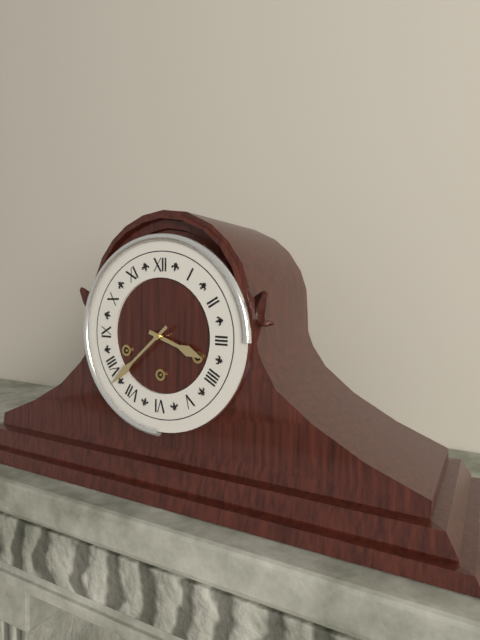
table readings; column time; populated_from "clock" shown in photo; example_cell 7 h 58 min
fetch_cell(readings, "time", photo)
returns 3 h 38 min
